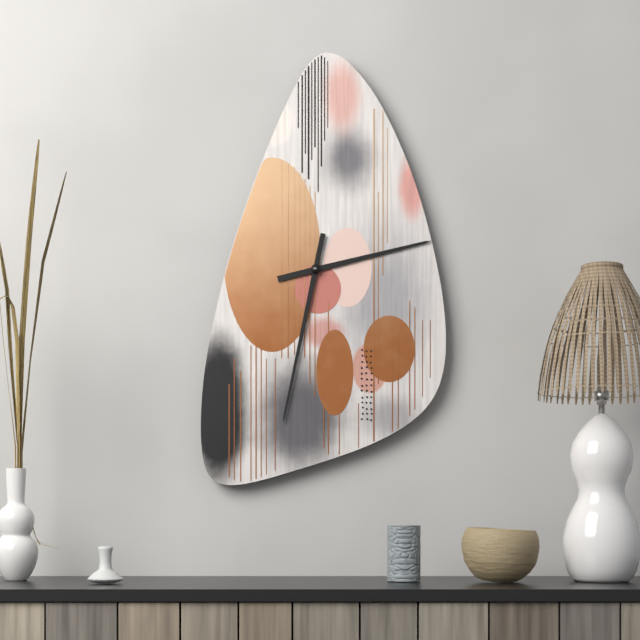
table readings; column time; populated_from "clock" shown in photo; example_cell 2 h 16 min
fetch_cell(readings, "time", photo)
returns 2 h 32 min
